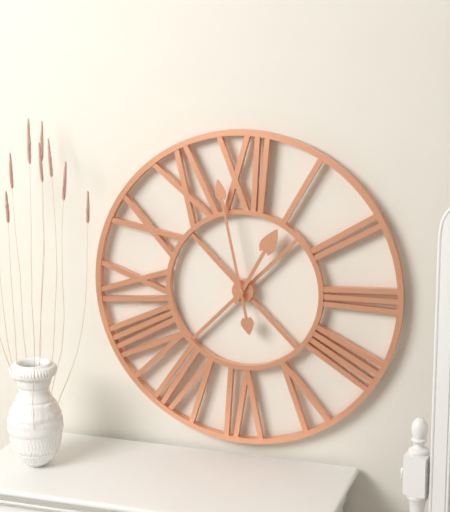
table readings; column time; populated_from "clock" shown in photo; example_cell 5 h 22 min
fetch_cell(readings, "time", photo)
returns 12 h 58 min
